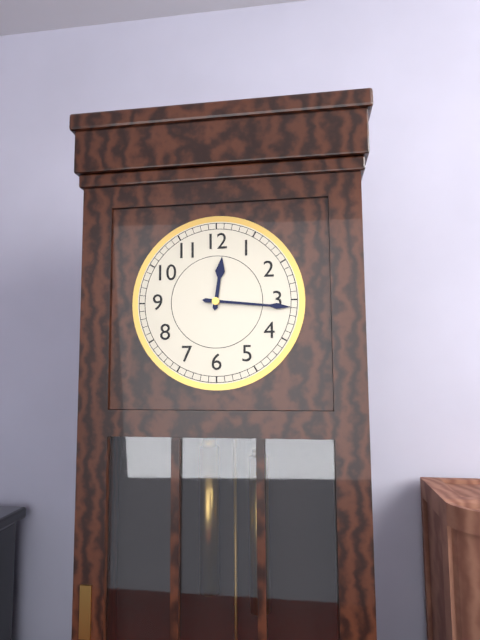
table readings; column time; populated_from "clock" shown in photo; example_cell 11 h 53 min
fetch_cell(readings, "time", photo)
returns 12 h 16 min
